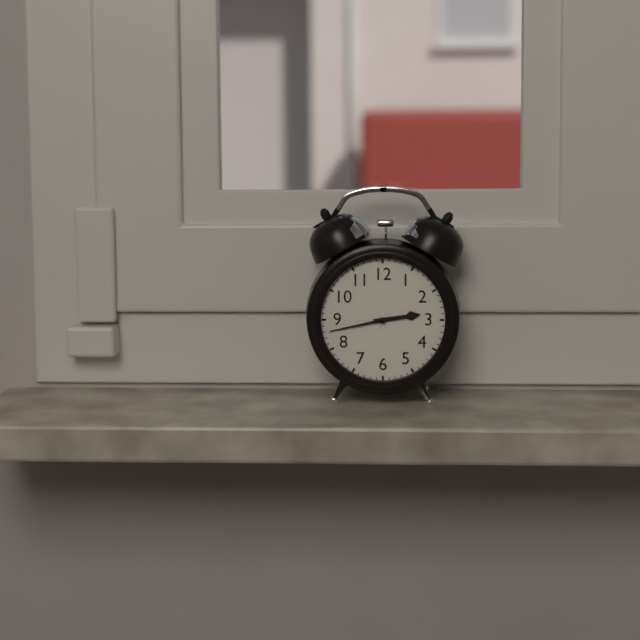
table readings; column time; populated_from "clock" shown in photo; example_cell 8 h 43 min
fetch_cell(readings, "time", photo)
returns 2 h 43 min
